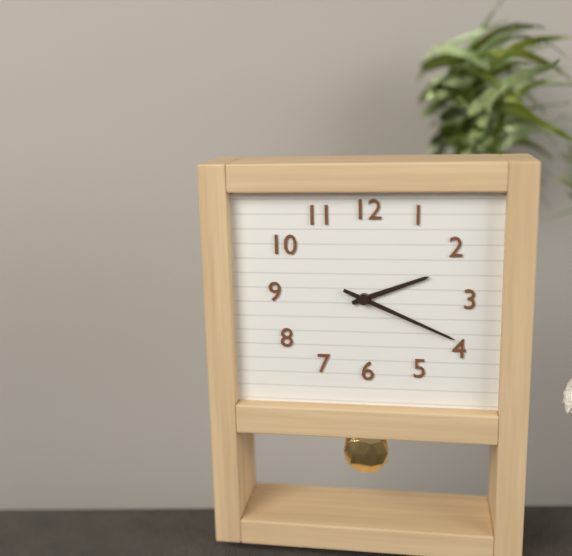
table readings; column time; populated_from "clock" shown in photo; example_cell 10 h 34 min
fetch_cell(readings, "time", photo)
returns 2 h 19 min
